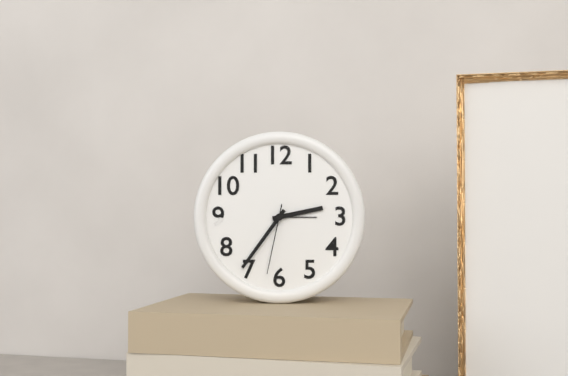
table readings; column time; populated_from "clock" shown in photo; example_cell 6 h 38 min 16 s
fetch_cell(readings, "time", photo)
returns 2 h 36 min 32 s
